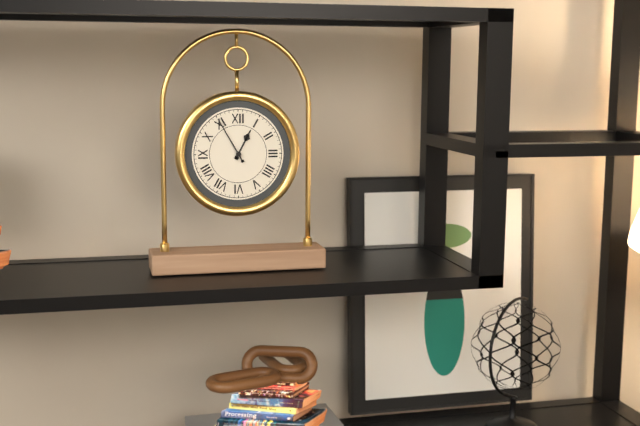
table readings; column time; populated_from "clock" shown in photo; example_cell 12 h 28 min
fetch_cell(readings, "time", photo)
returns 12 h 55 min
